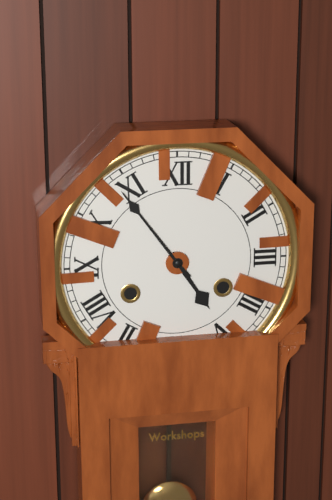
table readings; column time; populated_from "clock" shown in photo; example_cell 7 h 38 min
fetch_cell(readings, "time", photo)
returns 4 h 54 min
